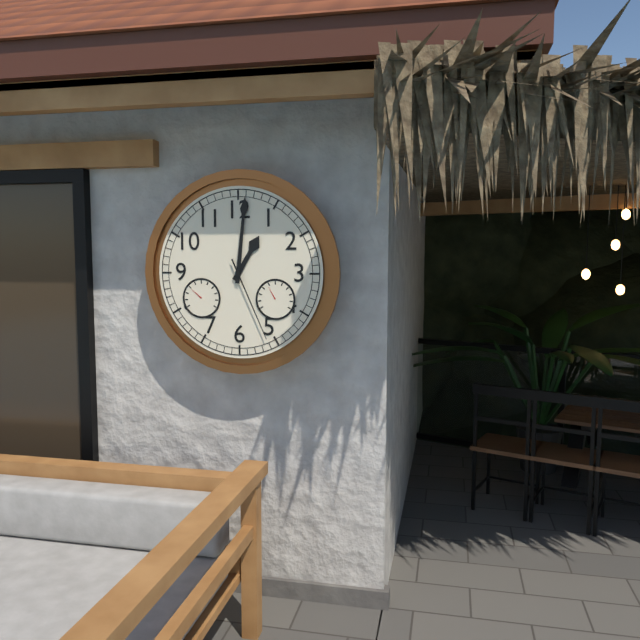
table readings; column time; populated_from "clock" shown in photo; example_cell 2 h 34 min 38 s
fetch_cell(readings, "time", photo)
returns 1 h 01 min 26 s
